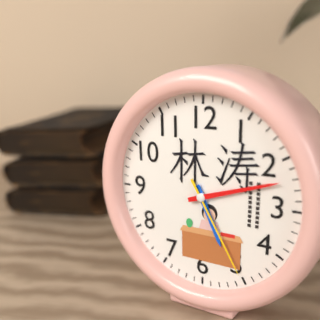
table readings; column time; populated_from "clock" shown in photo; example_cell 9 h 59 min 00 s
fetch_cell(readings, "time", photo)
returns 5 h 12 min 25 s
